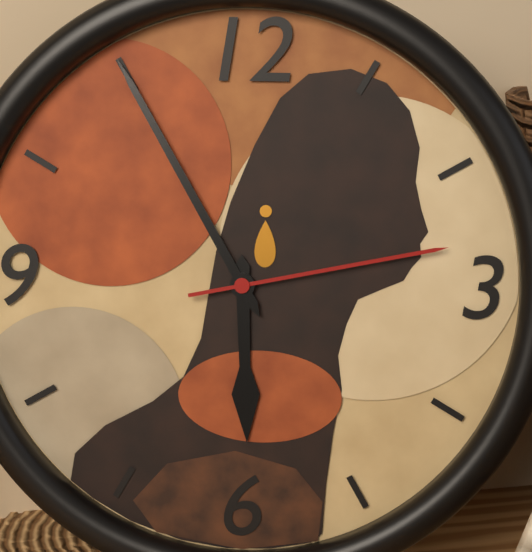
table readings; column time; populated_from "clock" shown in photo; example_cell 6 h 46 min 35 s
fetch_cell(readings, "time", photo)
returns 5 h 55 min 13 s
